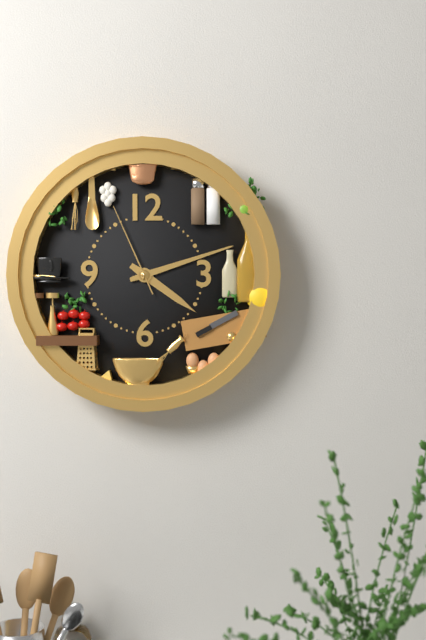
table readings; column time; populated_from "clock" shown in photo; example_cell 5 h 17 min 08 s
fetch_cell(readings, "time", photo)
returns 4 h 12 min 56 s
